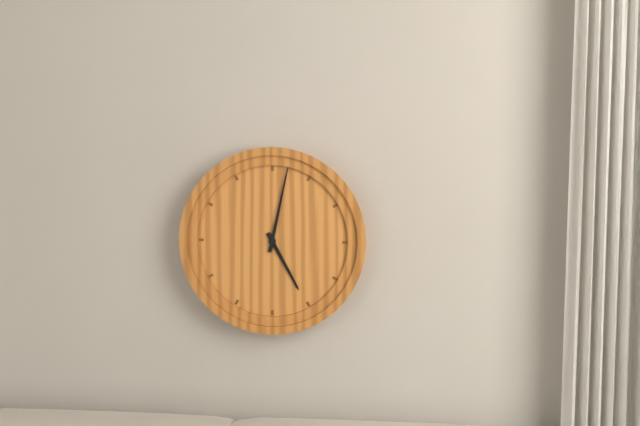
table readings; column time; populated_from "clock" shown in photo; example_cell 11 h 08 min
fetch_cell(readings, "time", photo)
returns 5 h 02 min
